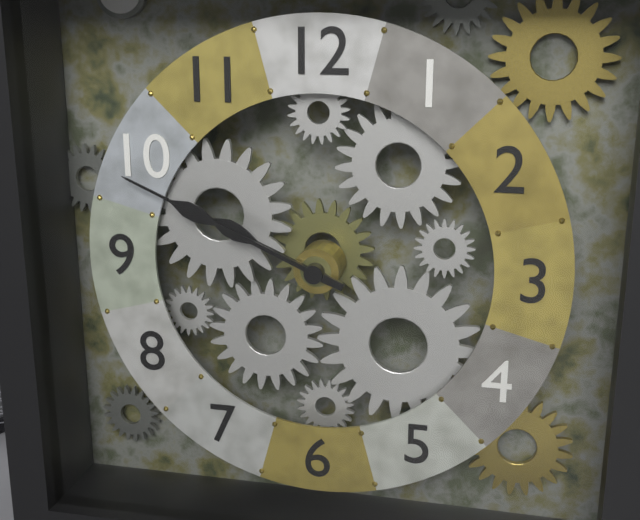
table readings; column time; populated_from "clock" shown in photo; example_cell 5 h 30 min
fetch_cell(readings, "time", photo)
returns 9 h 49 min
